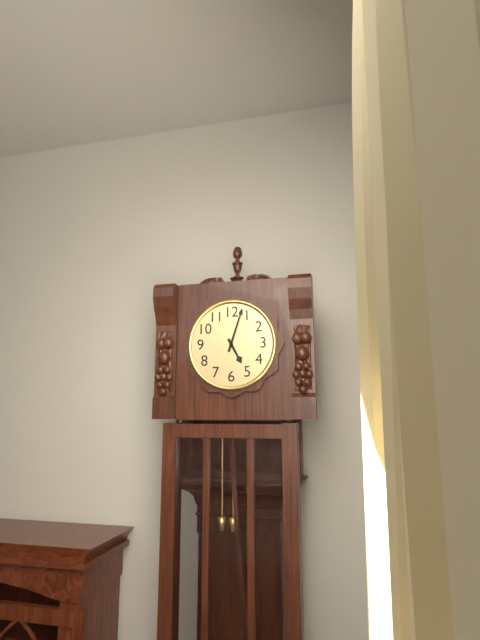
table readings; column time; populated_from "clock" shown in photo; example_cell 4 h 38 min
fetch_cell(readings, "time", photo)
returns 5 h 03 min
